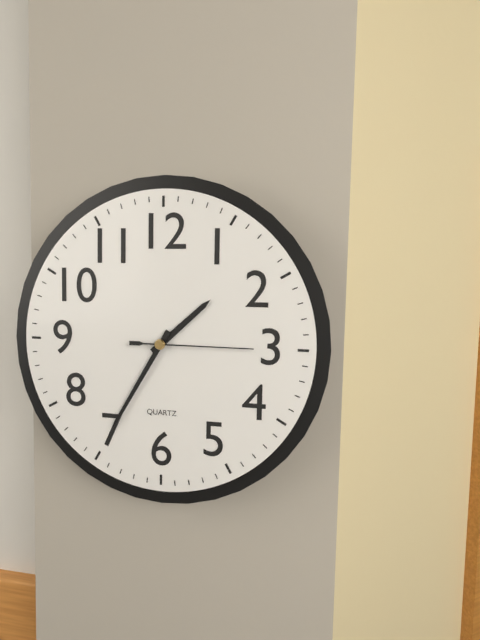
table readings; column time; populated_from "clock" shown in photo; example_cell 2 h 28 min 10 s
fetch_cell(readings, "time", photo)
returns 1 h 35 min 15 s
